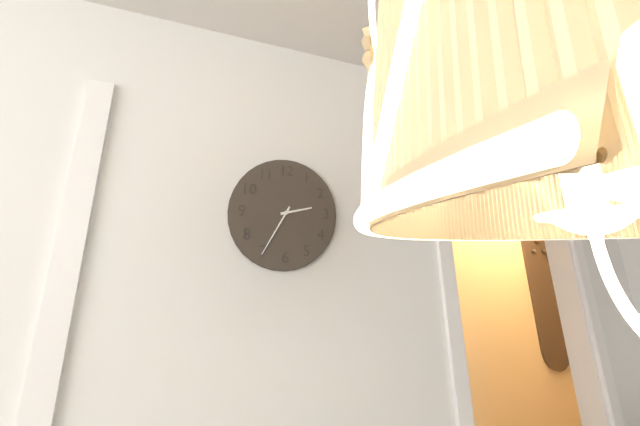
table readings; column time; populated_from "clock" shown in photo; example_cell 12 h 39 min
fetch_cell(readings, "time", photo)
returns 2 h 35 min
